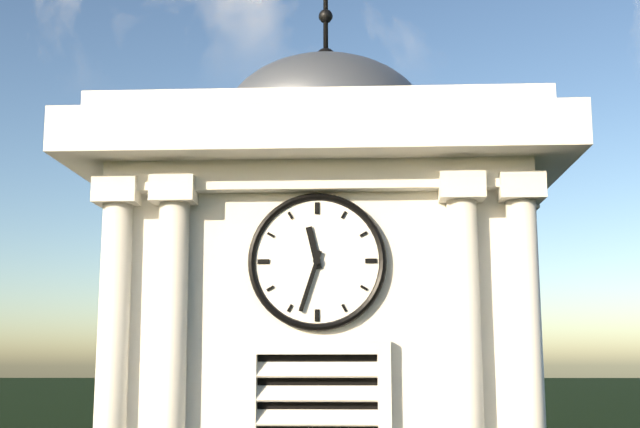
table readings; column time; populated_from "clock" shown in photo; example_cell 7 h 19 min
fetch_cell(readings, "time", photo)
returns 11 h 33 min
